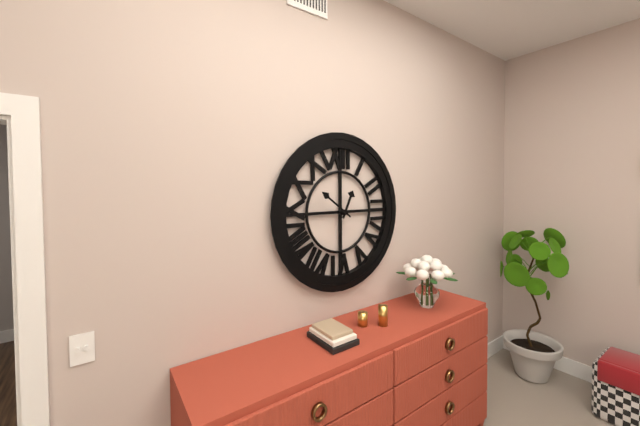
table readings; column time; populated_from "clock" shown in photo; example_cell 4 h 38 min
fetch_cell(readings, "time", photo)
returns 12 h 51 min
